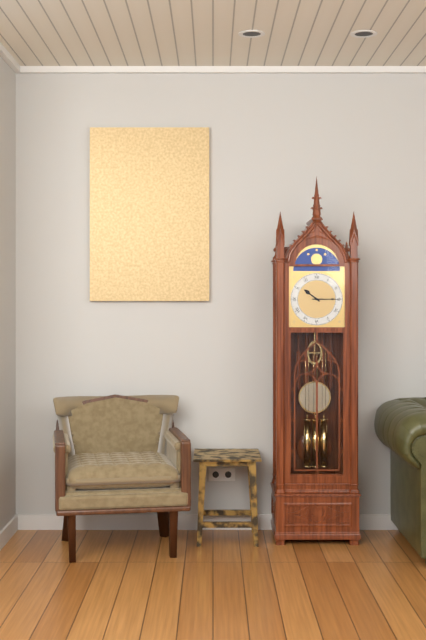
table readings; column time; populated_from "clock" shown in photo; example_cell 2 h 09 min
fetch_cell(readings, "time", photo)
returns 10 h 15 min
